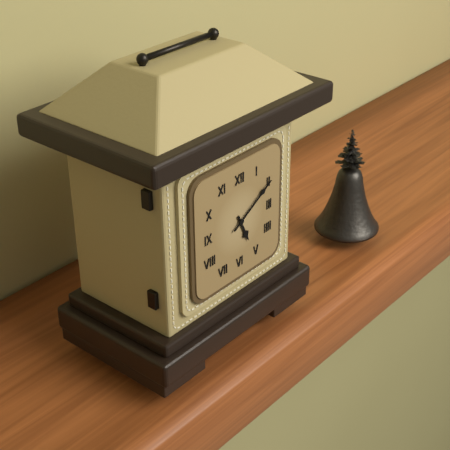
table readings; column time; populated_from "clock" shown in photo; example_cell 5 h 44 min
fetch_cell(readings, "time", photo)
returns 5 h 10 min
